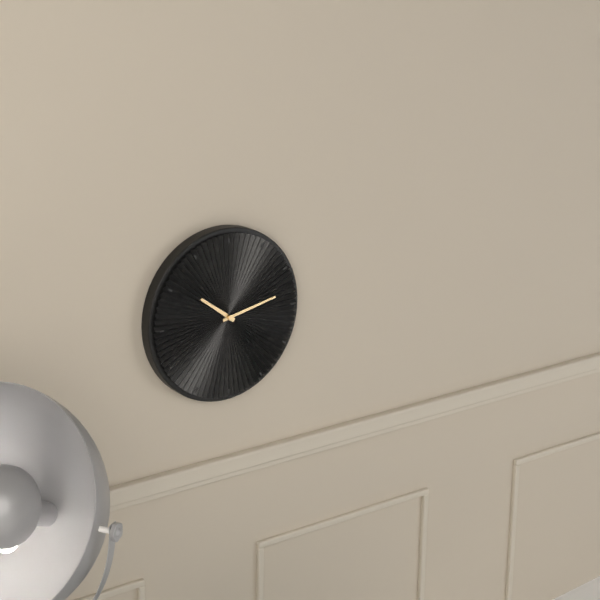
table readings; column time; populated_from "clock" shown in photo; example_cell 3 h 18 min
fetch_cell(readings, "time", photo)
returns 10 h 13 min
